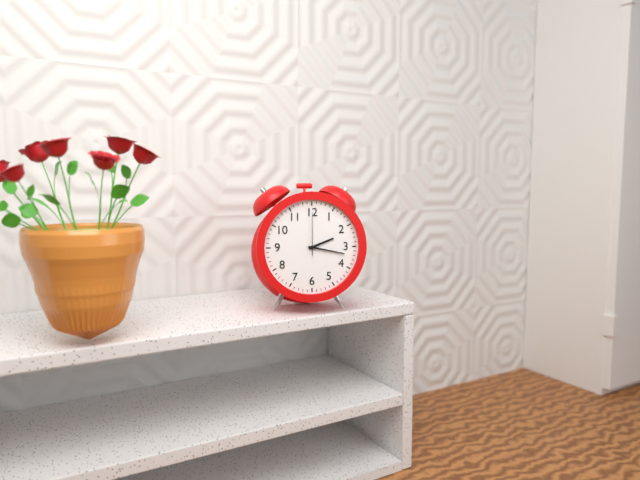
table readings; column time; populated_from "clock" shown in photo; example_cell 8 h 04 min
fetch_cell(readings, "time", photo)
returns 2 h 17 min
